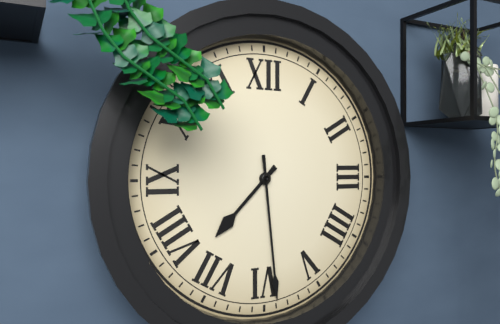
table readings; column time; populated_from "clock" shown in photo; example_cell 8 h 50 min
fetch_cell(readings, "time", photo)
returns 7 h 29 min
